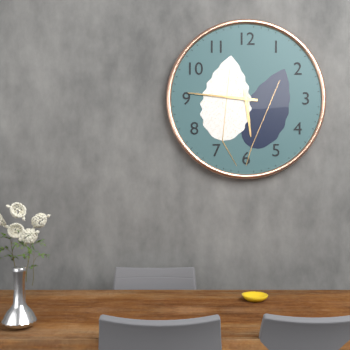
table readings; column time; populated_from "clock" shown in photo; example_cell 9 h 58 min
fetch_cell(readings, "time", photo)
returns 5 h 46 min
